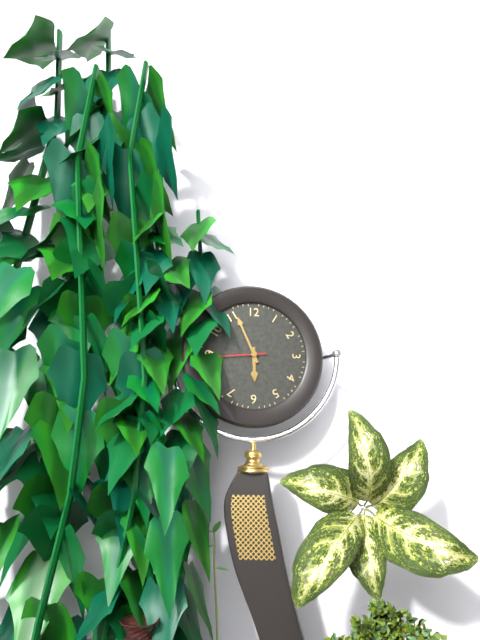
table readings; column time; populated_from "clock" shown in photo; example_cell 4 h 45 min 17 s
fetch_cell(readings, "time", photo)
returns 5 h 56 min 44 s
